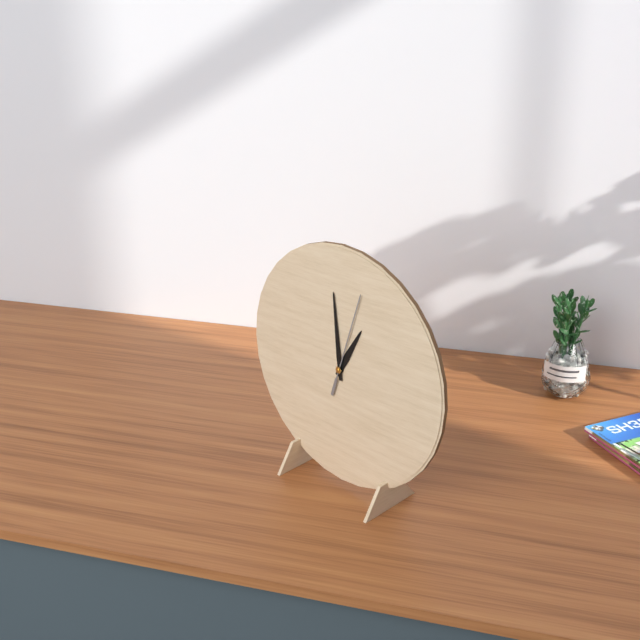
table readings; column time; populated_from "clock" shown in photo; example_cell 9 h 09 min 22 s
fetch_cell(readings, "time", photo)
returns 12 h 59 min 03 s
